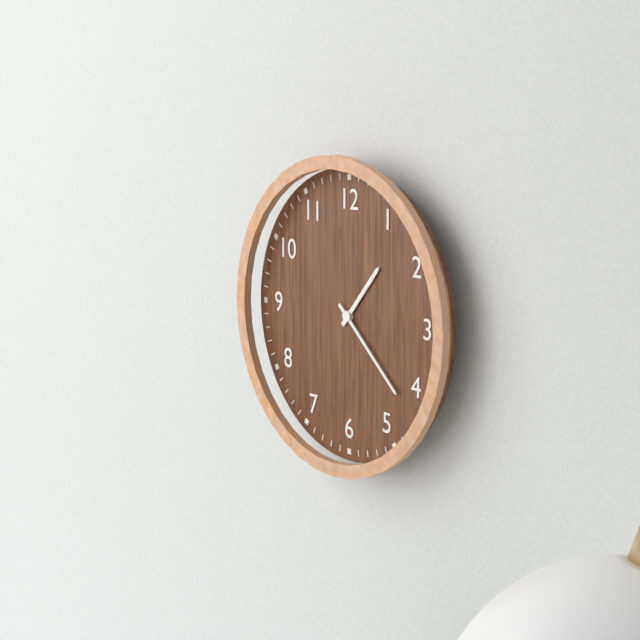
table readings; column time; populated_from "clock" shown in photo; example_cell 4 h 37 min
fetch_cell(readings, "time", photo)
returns 1 h 22 min
